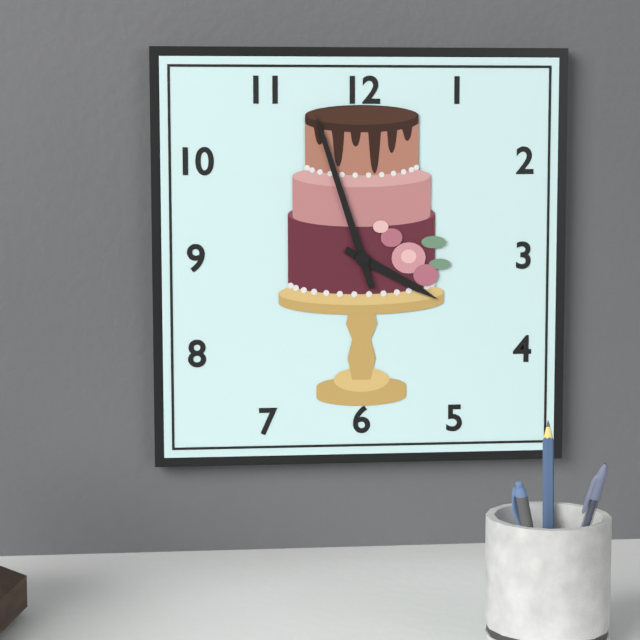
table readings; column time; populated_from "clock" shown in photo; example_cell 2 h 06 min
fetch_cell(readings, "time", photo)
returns 3 h 57 min
